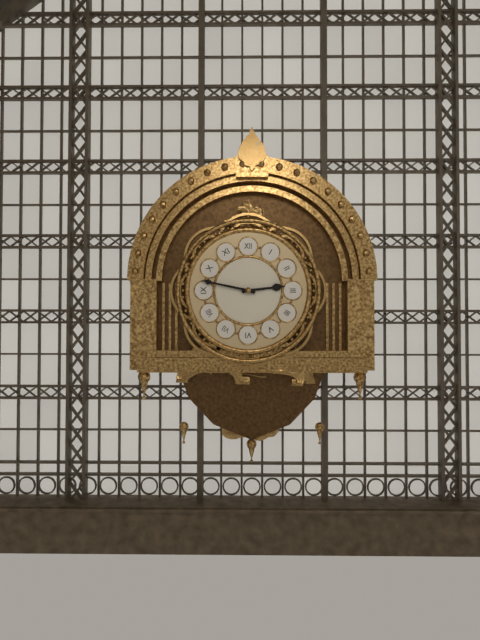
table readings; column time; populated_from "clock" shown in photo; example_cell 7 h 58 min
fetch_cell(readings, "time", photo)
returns 2 h 47 min
